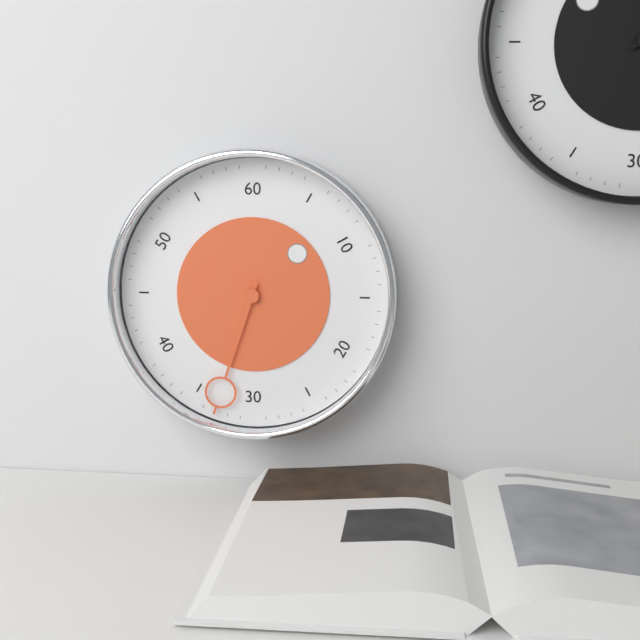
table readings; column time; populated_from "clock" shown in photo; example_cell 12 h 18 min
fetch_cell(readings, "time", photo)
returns 1 h 33 min
